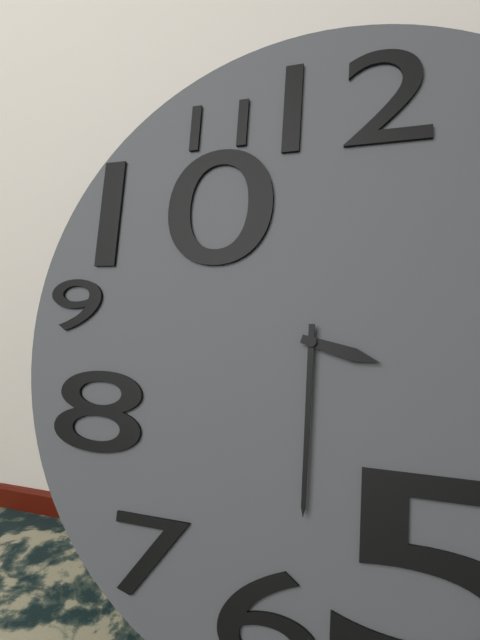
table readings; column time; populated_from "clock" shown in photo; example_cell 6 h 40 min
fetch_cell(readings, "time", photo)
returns 3 h 30 min
